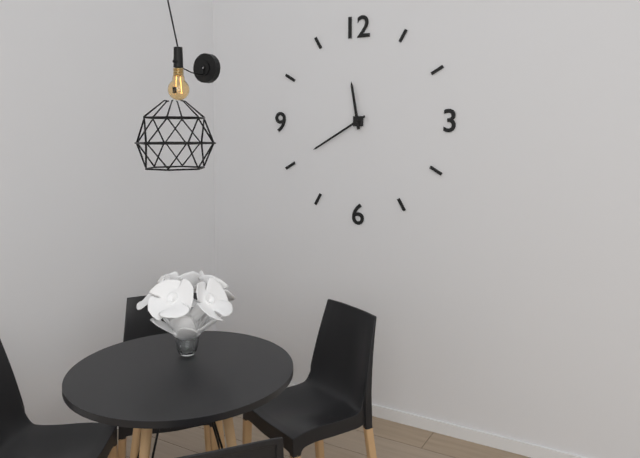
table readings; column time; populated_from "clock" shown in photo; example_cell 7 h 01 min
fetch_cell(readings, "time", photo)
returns 11 h 40 min
